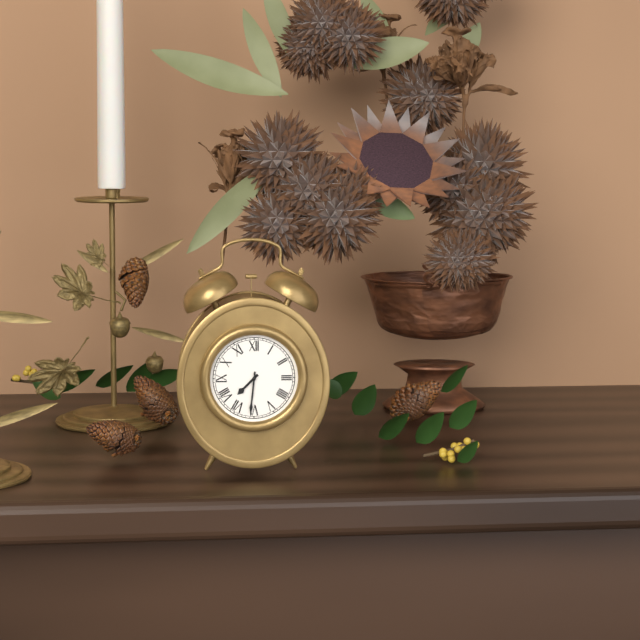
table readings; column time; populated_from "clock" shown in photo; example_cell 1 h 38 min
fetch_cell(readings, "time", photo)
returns 7 h 31 min
